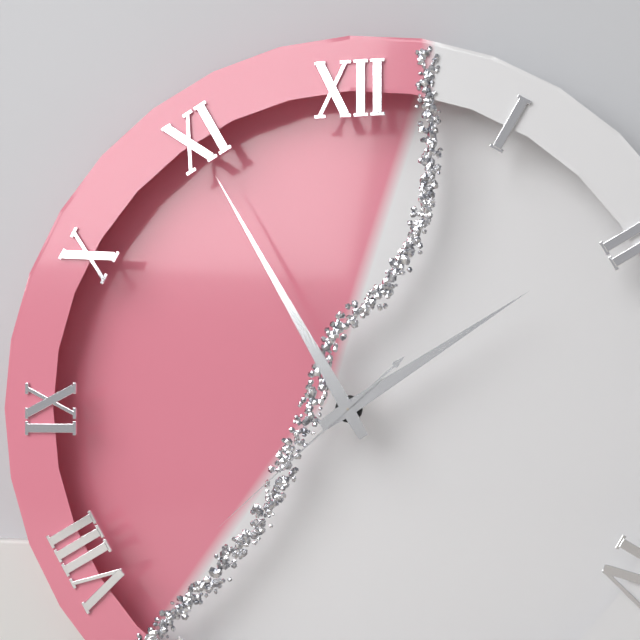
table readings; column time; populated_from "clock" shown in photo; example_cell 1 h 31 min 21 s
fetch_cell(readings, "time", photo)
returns 1 h 55 min 38 s
